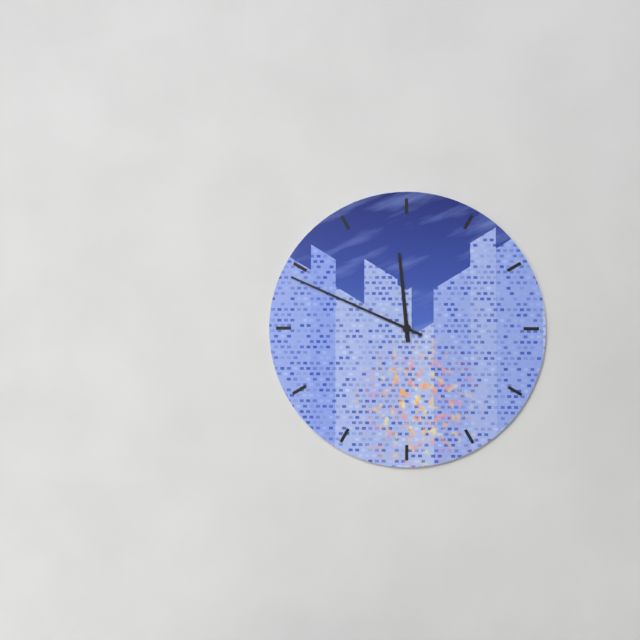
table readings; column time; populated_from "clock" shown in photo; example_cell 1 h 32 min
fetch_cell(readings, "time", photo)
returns 11 h 49 min
